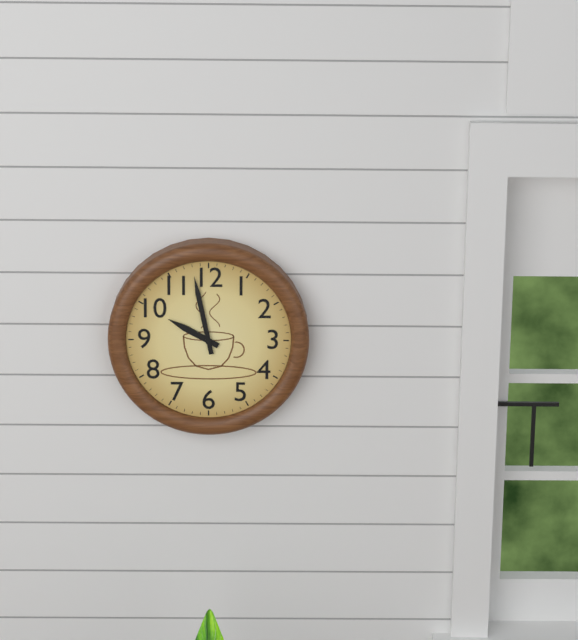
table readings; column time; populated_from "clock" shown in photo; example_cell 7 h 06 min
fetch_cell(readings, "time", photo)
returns 9 h 58 min
